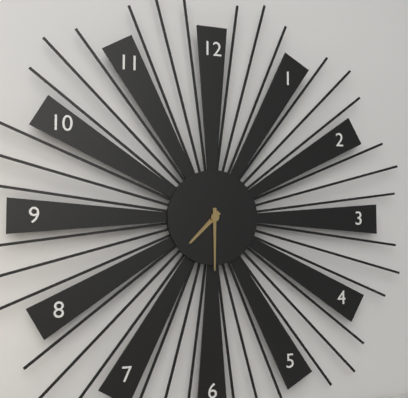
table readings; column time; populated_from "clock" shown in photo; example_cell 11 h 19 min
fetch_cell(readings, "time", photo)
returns 7 h 30 min
